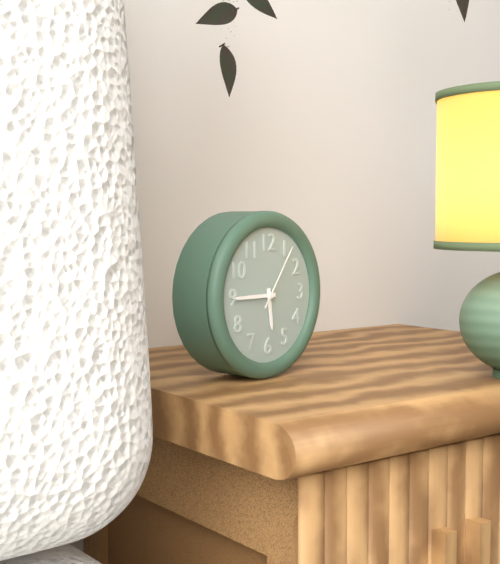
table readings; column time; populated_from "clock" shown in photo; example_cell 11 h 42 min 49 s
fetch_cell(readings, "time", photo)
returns 5 h 45 min 06 s
